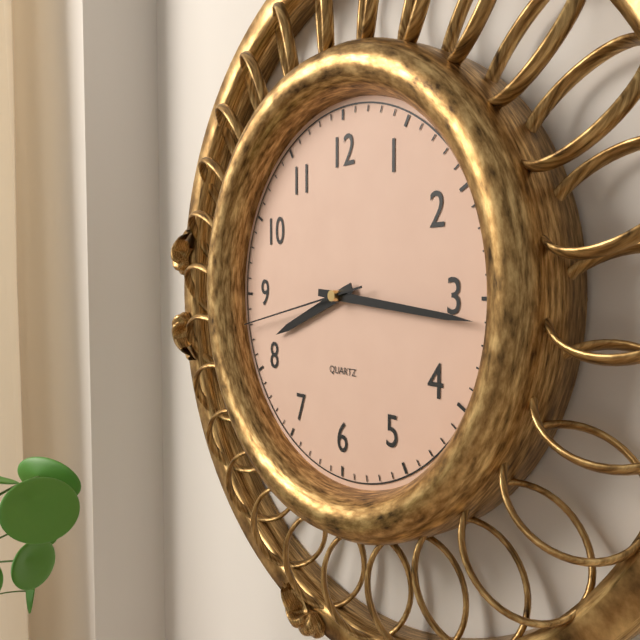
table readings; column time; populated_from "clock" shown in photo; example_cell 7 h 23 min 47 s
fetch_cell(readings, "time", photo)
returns 8 h 16 min 43 s
